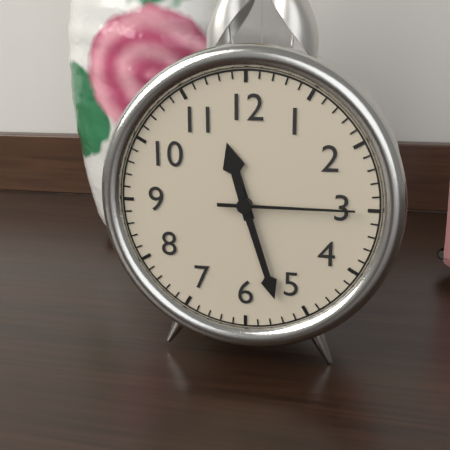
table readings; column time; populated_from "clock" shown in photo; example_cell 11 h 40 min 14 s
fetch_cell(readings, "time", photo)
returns 11 h 27 min 15 s
